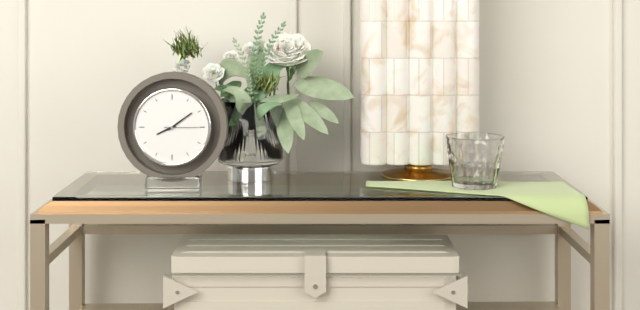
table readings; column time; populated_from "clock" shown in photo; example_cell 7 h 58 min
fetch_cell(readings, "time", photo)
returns 8 h 09 min
